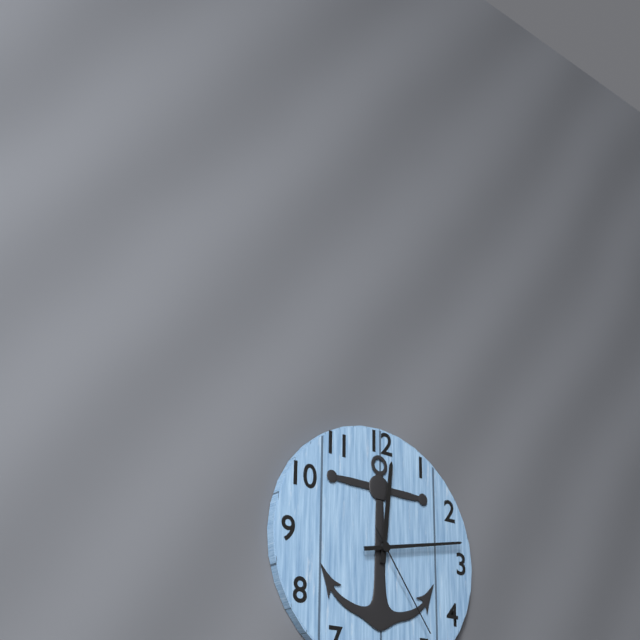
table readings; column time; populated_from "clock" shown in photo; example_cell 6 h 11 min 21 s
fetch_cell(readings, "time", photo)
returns 12 h 13 min 24 s
